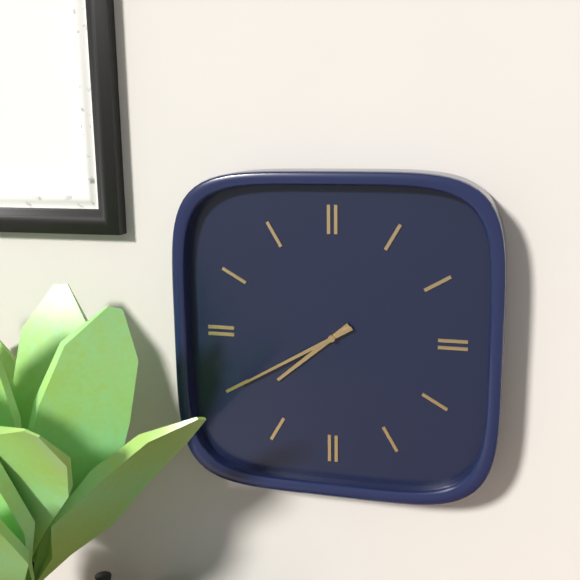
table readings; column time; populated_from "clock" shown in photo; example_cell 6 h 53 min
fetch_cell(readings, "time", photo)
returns 7 h 40 min
